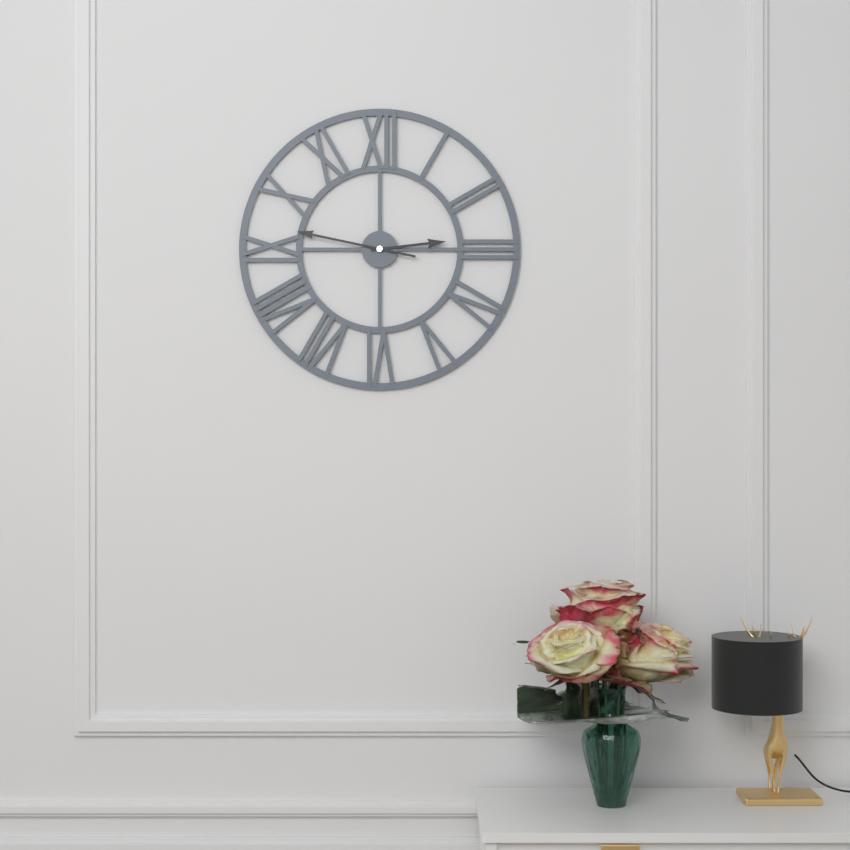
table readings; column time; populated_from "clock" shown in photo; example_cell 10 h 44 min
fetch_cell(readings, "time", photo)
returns 2 h 47 min
